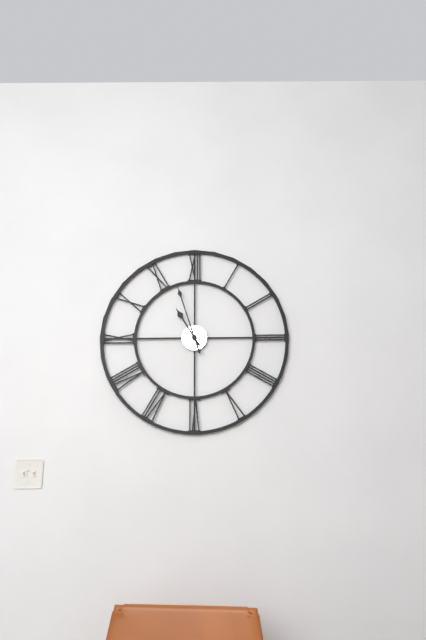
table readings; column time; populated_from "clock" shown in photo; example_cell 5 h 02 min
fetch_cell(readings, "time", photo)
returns 10 h 57 min
